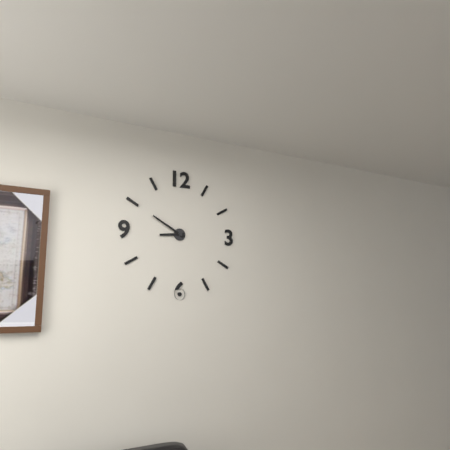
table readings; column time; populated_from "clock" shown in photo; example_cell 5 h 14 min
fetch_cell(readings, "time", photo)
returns 8 h 50 min
